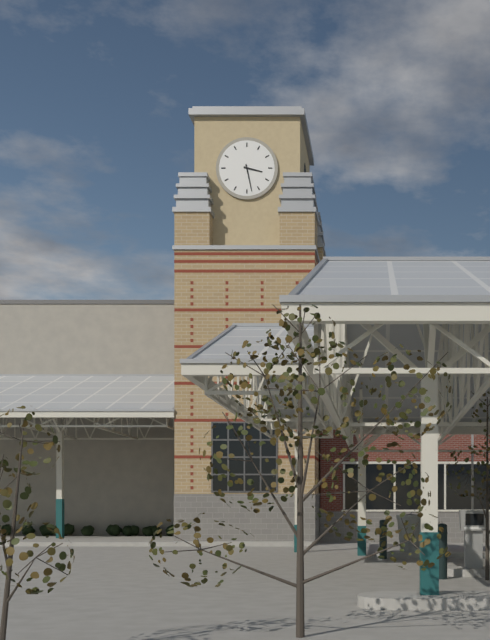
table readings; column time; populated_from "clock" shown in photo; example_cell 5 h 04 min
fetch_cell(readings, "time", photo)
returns 3 h 28 min
